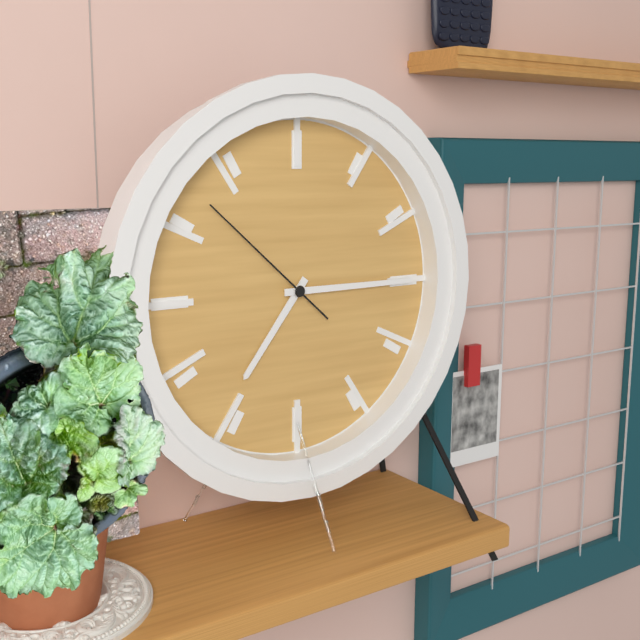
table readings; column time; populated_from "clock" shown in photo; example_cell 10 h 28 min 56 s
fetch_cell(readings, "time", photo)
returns 7 h 15 min 52 s
